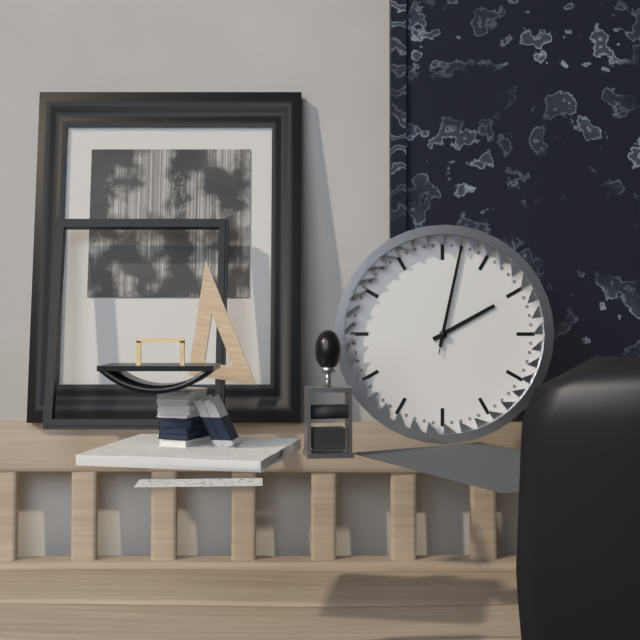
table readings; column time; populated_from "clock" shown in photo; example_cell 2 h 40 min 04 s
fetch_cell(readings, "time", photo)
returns 2 h 02 min 02 s
